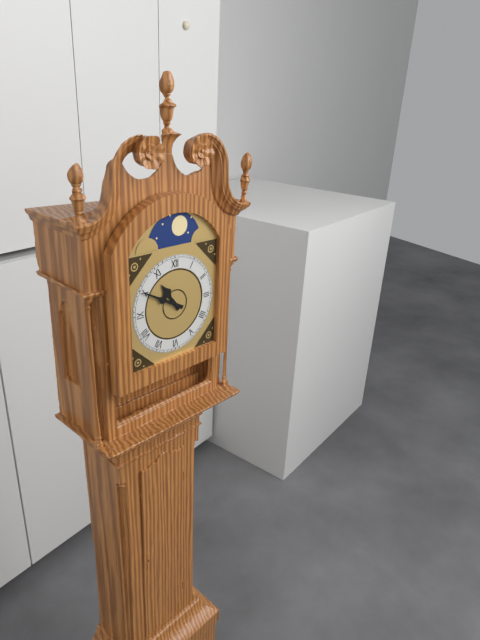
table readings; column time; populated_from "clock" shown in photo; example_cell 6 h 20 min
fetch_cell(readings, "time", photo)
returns 10 h 50 min
